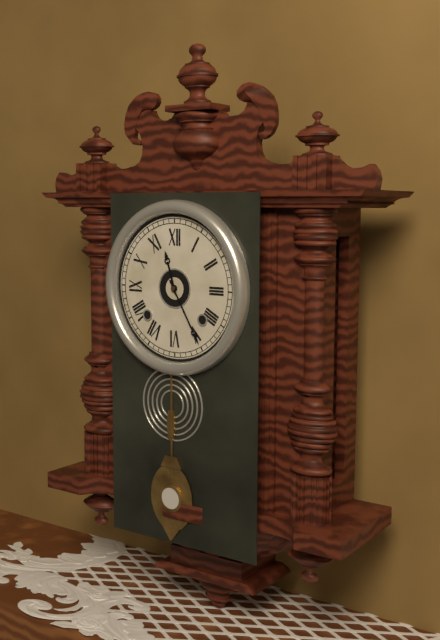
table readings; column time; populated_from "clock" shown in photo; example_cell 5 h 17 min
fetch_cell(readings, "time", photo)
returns 11 h 25 min
